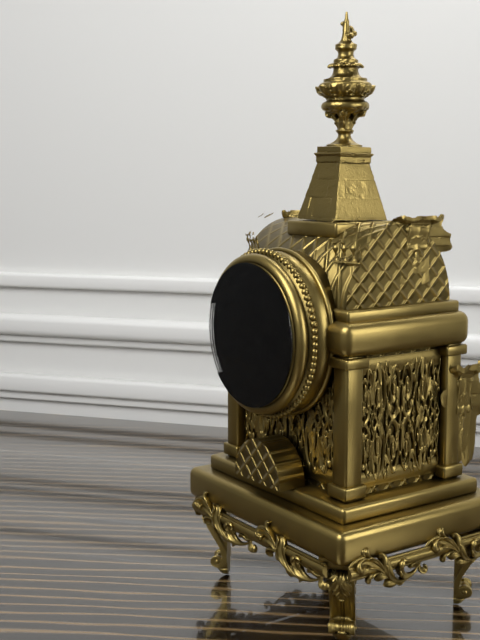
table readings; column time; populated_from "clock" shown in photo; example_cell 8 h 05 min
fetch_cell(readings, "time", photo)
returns 4 h 36 min
